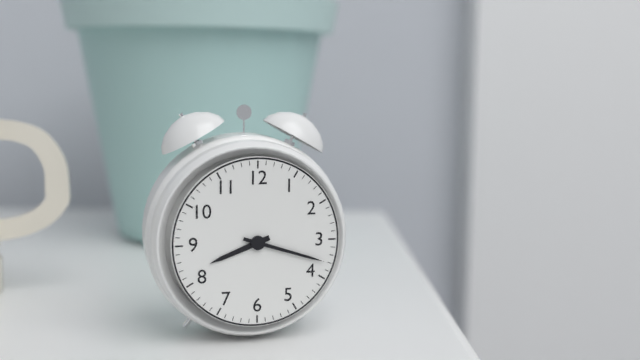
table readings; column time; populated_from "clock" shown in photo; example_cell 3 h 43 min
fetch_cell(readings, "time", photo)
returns 8 h 18 min
